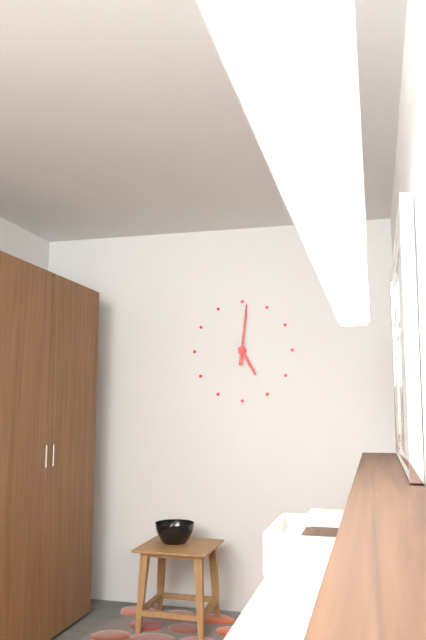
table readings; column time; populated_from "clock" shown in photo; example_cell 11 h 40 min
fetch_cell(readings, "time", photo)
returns 5 h 01 min
